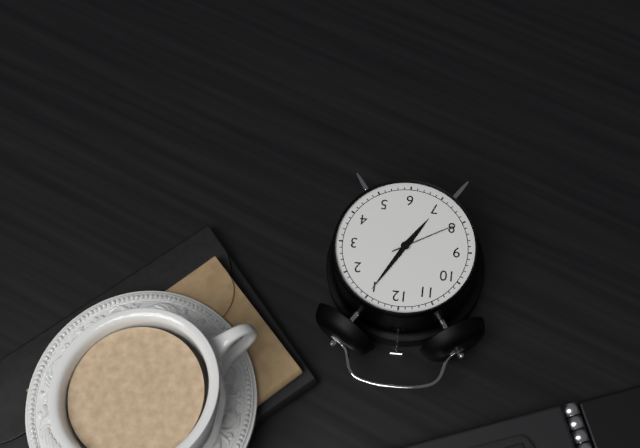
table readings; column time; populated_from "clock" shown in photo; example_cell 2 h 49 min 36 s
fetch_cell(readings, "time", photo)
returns 7 h 05 min 40 s
